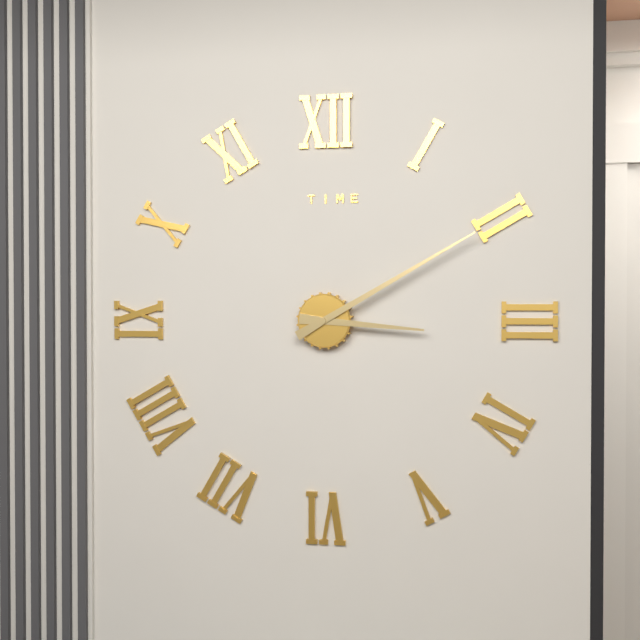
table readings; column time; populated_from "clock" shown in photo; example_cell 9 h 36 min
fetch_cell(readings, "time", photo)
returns 3 h 10 min
